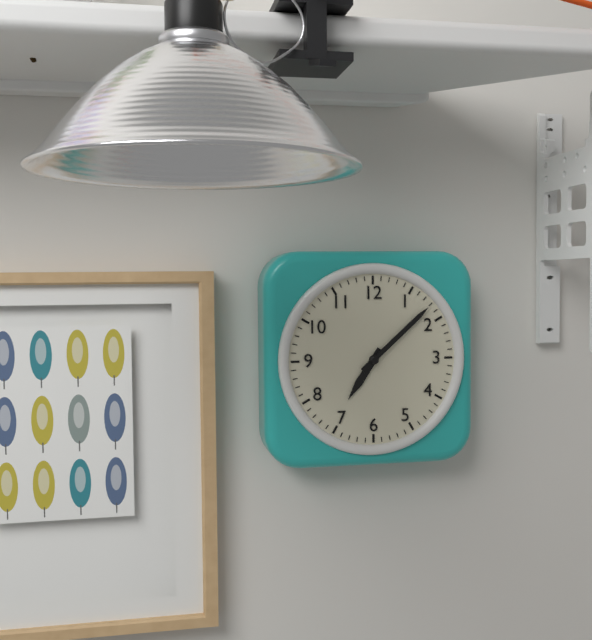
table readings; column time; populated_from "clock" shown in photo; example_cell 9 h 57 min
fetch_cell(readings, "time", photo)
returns 7 h 08 min
